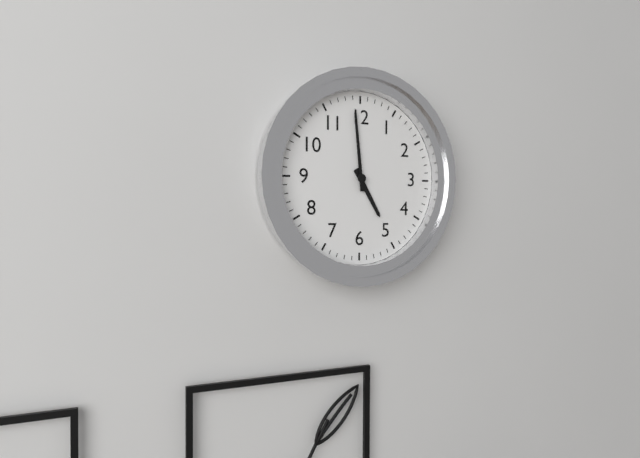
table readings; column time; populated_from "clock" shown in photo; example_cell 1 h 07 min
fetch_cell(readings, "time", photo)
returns 4 h 59 min
